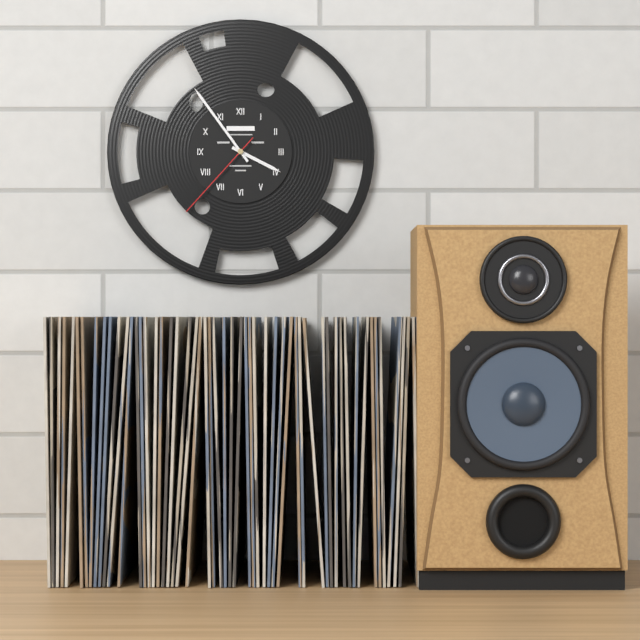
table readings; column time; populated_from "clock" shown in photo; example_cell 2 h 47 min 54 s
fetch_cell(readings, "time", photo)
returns 3 h 54 min 37 s
